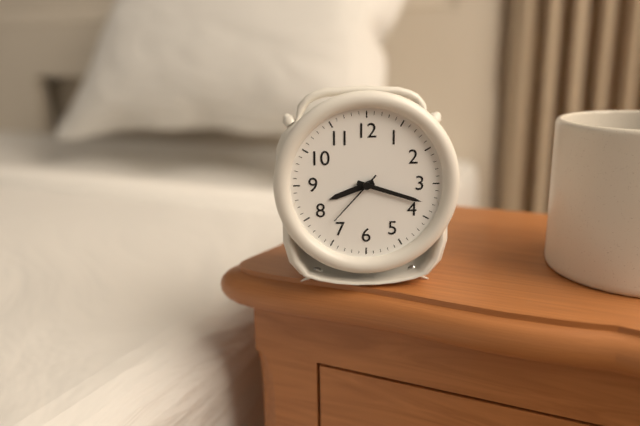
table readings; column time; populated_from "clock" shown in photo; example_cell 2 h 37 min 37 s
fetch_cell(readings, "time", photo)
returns 8 h 18 min 37 s
